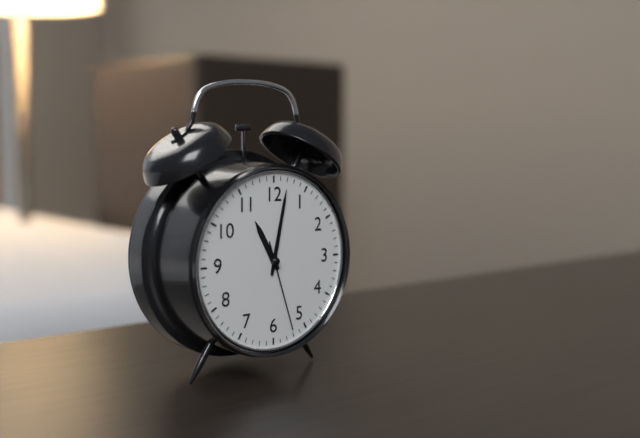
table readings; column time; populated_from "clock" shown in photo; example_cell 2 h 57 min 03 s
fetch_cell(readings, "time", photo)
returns 11 h 02 min 27 s
